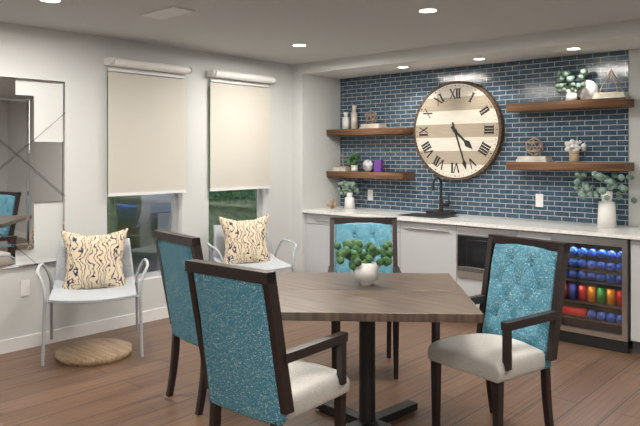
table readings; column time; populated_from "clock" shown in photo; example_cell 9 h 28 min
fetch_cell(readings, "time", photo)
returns 4 h 27 min
